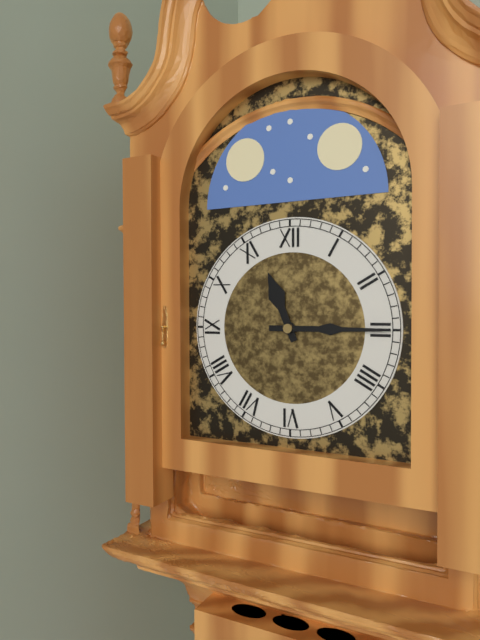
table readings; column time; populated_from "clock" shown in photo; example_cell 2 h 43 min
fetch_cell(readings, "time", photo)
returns 11 h 15 min
